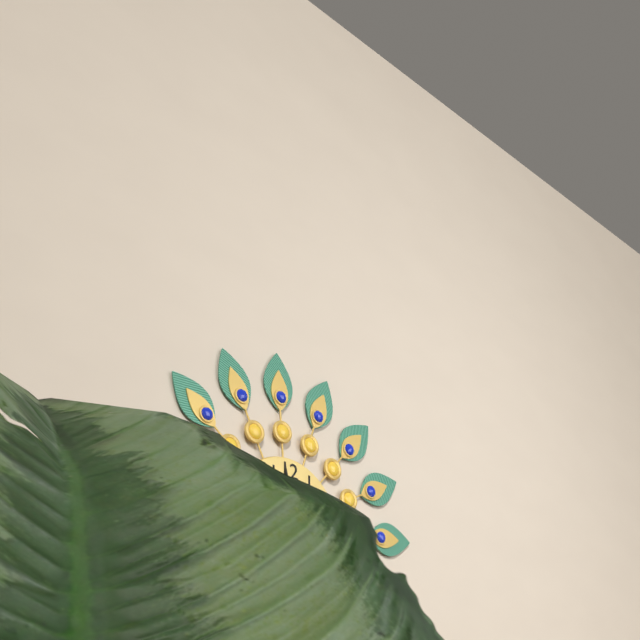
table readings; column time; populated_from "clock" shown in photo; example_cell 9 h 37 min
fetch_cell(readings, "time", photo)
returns 1 h 59 min
